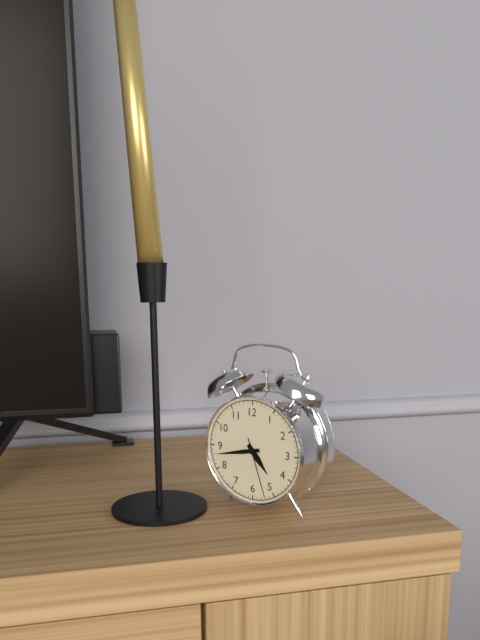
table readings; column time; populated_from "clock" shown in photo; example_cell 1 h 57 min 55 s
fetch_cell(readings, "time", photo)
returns 4 h 43 min 27 s
